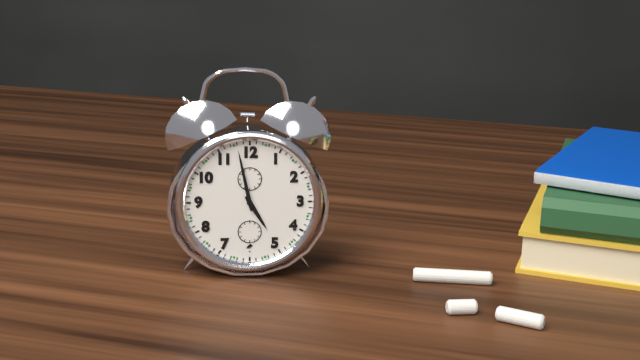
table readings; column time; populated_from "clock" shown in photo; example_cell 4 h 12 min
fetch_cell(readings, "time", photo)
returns 4 h 58 min
